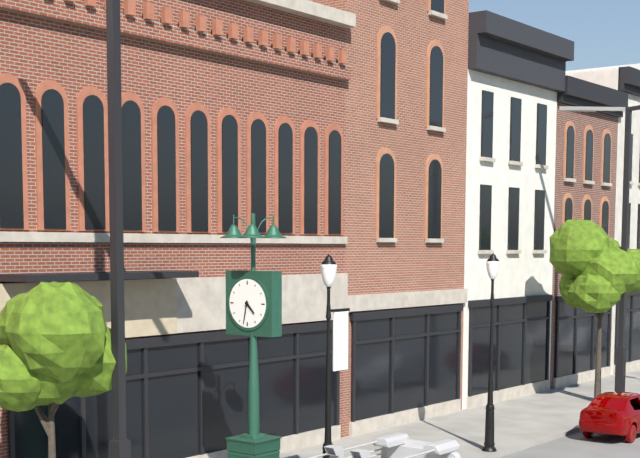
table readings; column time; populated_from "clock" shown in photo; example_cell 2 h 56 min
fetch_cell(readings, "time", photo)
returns 4 h 32 min
